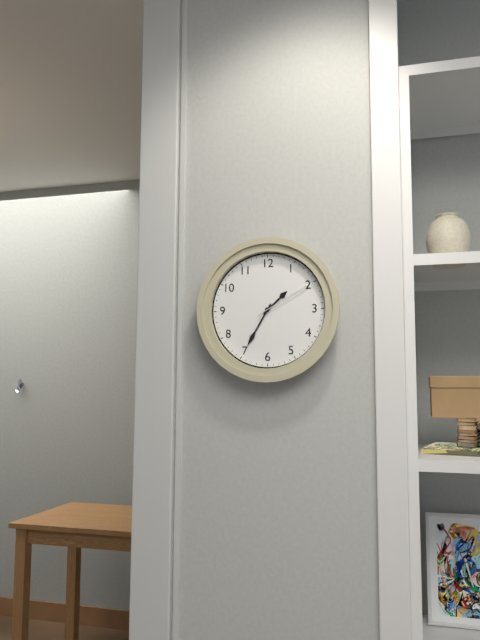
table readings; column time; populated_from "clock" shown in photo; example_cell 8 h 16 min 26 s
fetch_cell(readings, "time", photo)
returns 1 h 35 min 10 s
